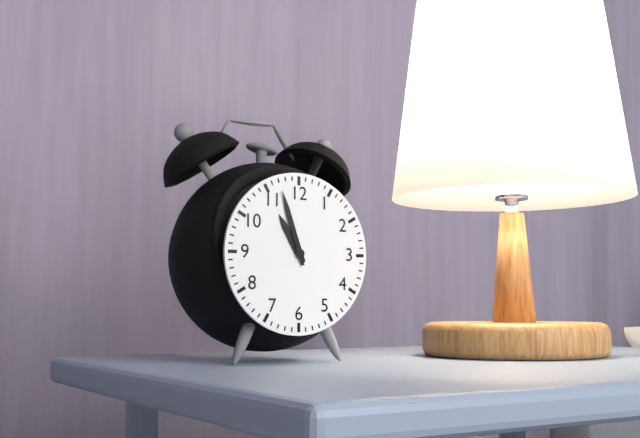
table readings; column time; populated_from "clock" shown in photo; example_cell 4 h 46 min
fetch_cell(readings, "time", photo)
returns 10 h 57 min
